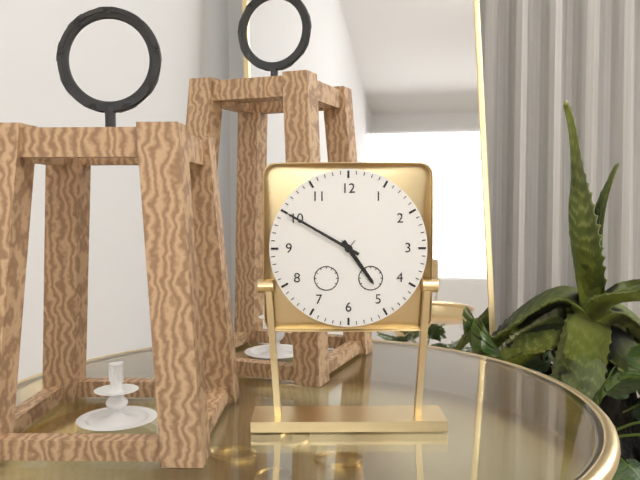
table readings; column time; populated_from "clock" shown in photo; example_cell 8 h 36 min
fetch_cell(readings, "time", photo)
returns 4 h 50 min
